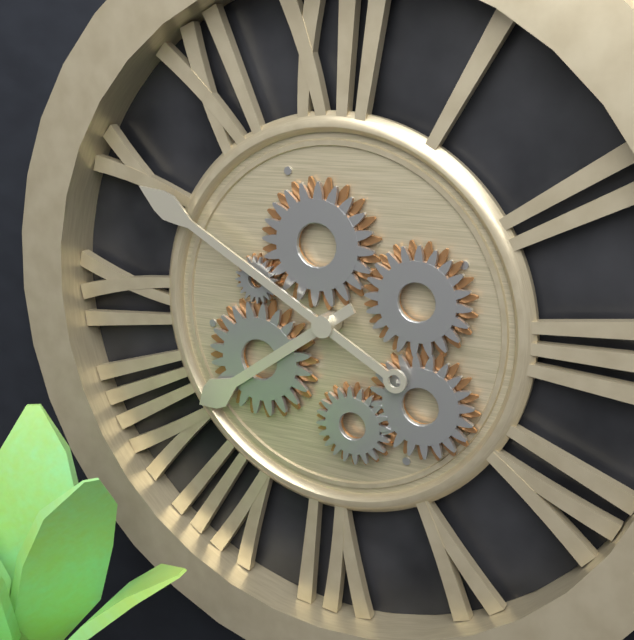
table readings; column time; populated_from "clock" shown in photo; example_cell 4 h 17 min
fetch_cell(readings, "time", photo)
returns 7 h 50 min
